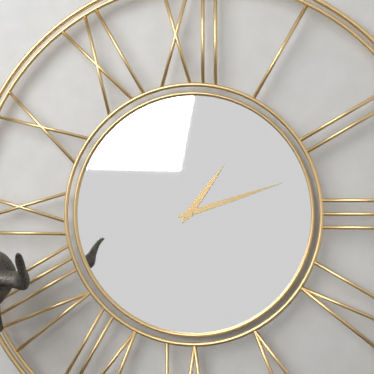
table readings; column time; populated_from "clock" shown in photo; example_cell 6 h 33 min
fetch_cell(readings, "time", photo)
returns 1 h 12 min
